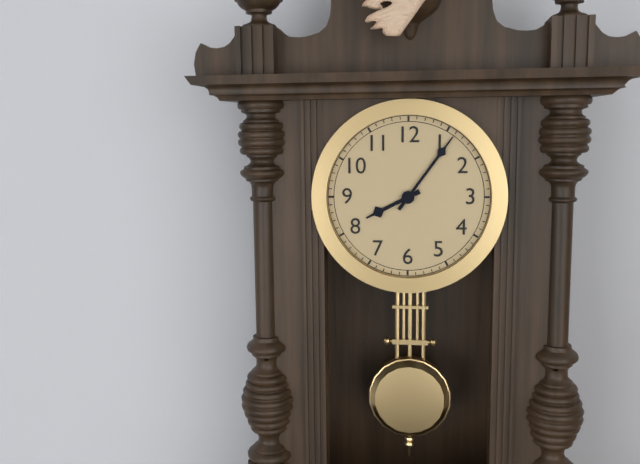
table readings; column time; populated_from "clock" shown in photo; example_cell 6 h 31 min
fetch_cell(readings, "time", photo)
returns 8 h 06 min
